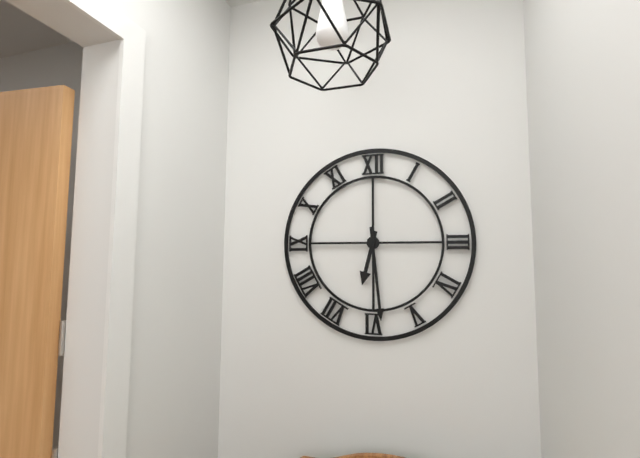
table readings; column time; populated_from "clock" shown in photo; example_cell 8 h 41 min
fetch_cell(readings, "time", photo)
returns 6 h 29 min
